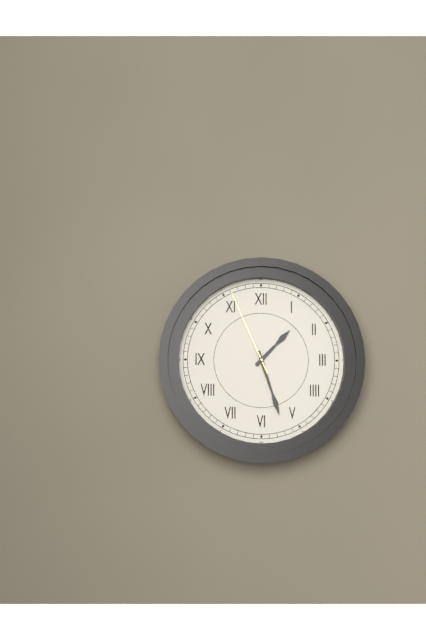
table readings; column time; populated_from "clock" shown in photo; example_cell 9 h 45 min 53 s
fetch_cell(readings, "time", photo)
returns 1 h 27 min 56 s
